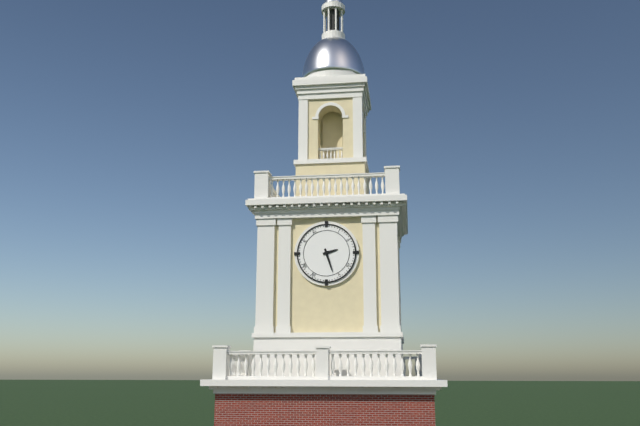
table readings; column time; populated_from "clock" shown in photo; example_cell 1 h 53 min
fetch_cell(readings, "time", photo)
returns 2 h 27 min
